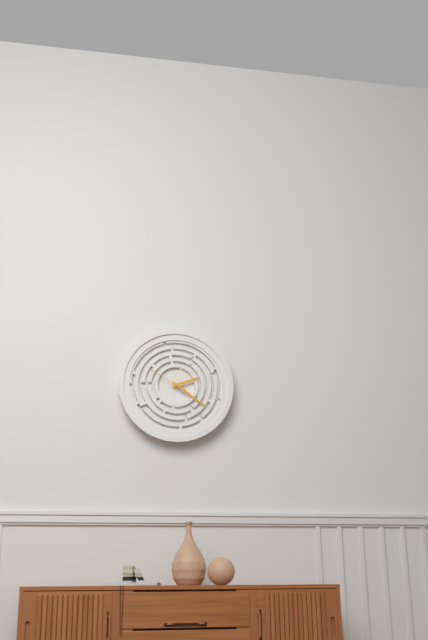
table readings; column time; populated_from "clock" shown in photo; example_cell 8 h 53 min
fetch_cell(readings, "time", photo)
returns 2 h 21 min
